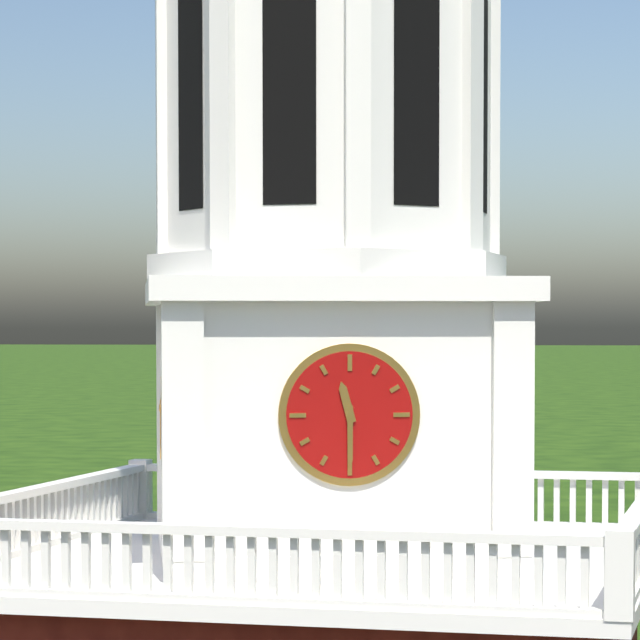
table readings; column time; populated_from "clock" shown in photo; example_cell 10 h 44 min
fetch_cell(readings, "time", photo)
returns 11 h 30 min
